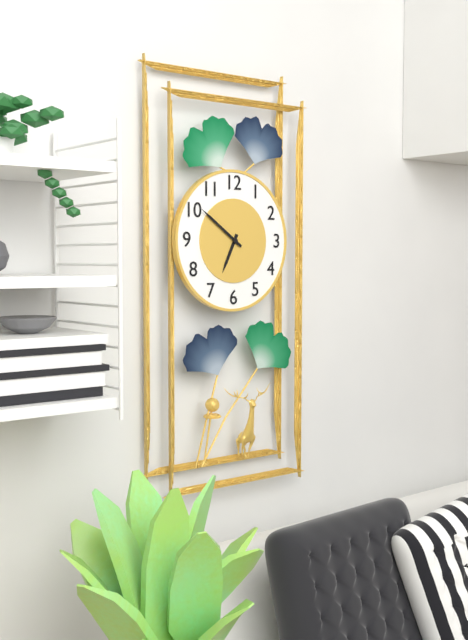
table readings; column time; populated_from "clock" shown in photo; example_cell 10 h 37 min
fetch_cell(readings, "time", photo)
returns 6 h 51 min
